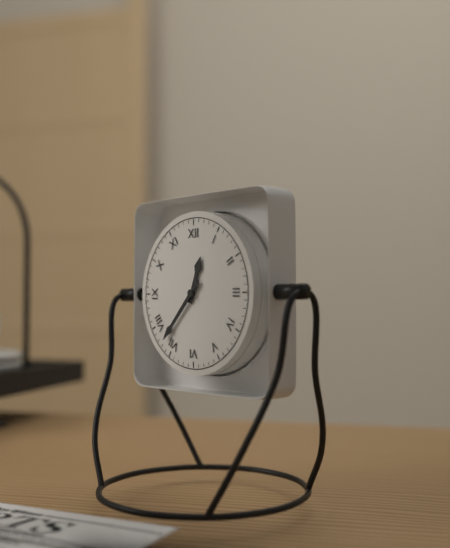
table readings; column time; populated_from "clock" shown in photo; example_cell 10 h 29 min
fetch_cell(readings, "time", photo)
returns 12 h 37 min
